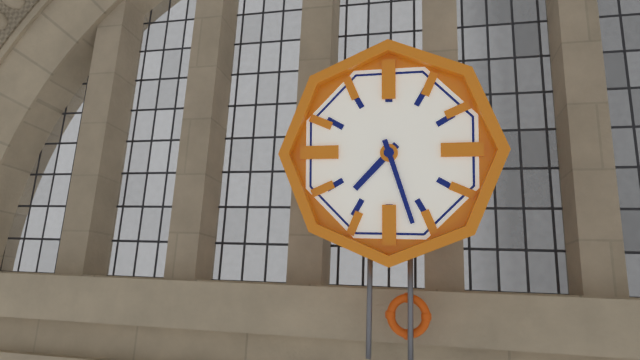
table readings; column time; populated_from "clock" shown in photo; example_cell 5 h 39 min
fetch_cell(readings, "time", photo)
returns 7 h 27 min
